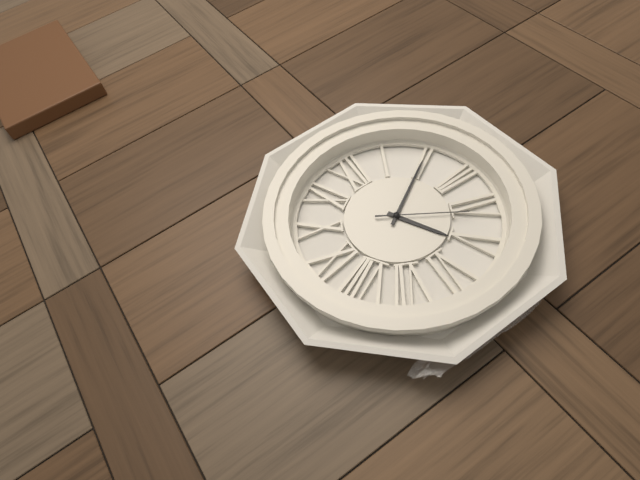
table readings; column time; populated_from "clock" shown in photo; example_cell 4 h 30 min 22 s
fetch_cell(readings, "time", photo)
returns 5 h 10 min 21 s
